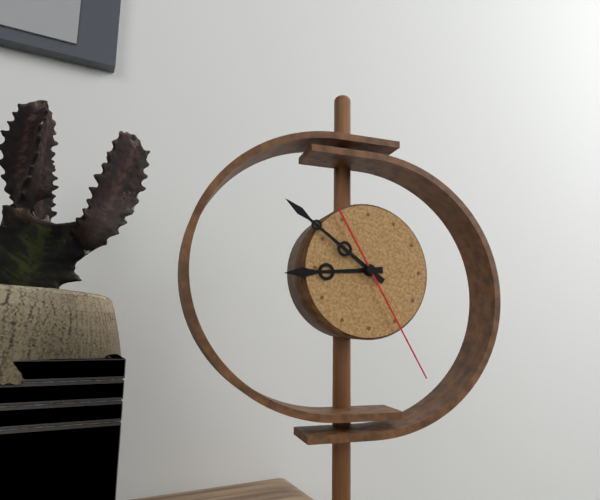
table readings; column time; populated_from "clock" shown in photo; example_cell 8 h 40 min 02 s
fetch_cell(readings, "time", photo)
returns 8 h 51 min 25 s
